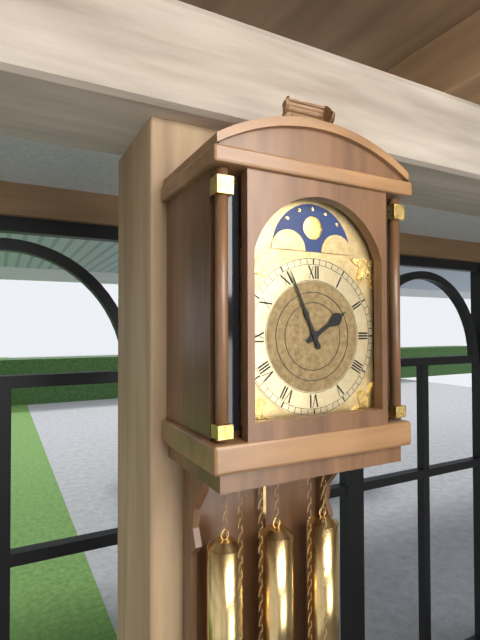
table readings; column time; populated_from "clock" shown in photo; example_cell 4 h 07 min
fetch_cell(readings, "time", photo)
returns 1 h 56 min
